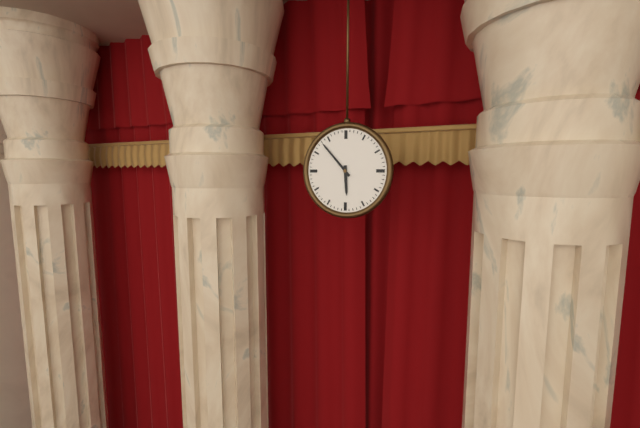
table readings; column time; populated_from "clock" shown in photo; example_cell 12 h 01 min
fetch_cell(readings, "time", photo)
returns 5 h 53 min
